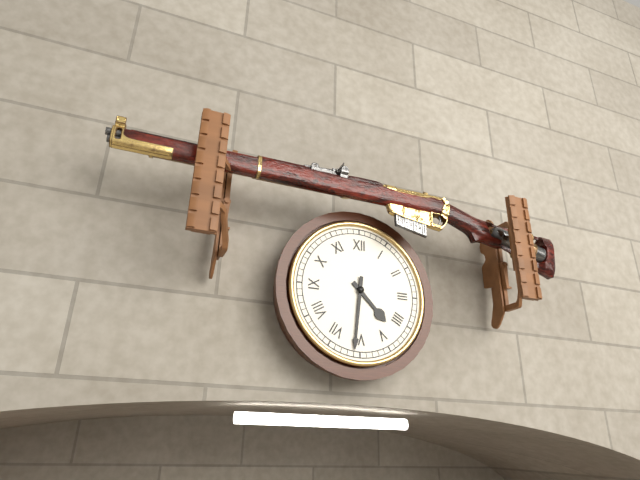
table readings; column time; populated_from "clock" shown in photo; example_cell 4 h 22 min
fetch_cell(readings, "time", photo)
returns 4 h 31 min
